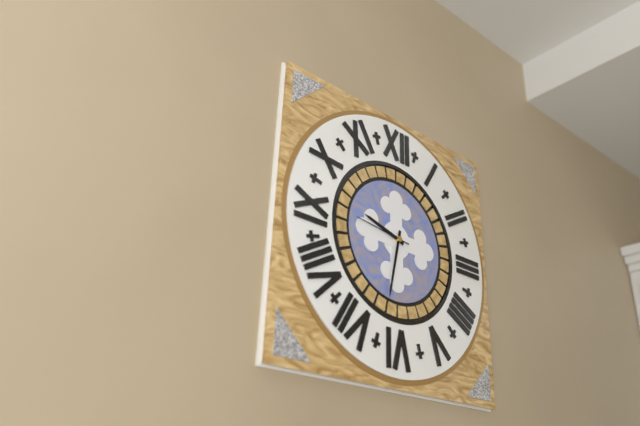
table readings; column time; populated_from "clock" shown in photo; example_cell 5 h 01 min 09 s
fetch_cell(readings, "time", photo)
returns 9 h 32 min 46 s
